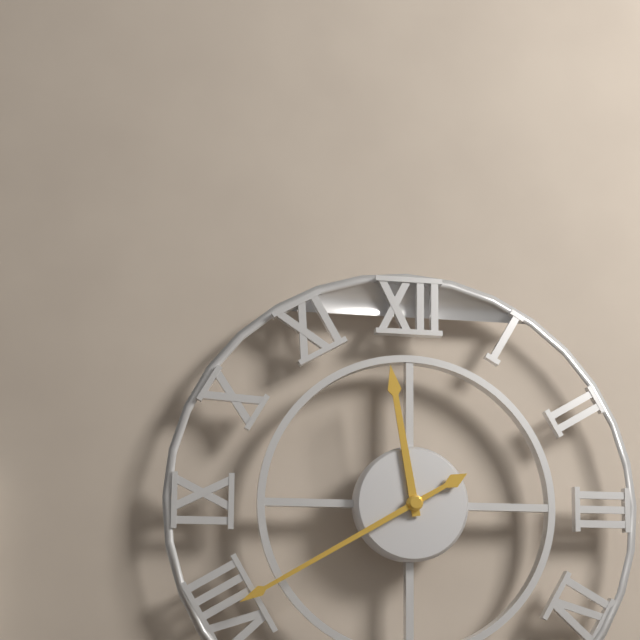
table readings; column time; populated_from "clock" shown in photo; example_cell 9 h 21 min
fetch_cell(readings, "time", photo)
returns 11 h 40 min
